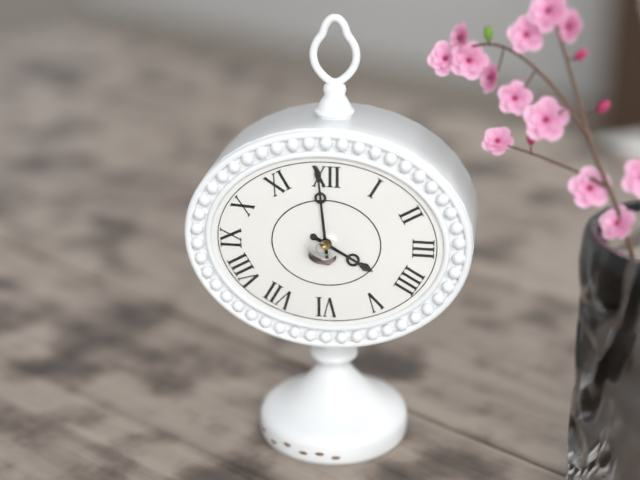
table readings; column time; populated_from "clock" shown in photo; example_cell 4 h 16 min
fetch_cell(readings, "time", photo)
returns 3 h 59 min
